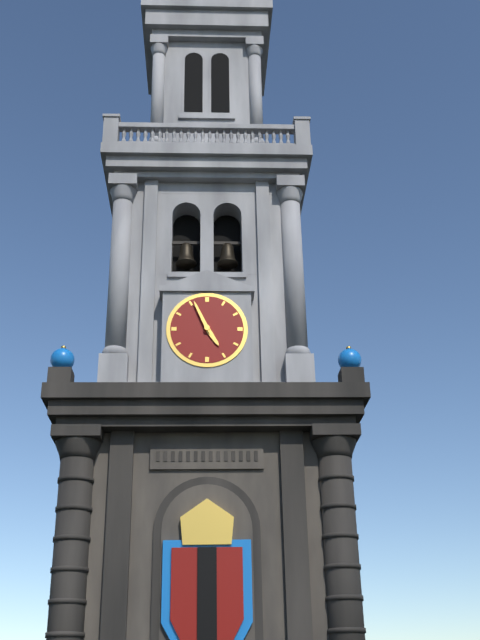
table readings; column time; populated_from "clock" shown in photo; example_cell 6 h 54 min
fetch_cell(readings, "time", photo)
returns 4 h 56 min
